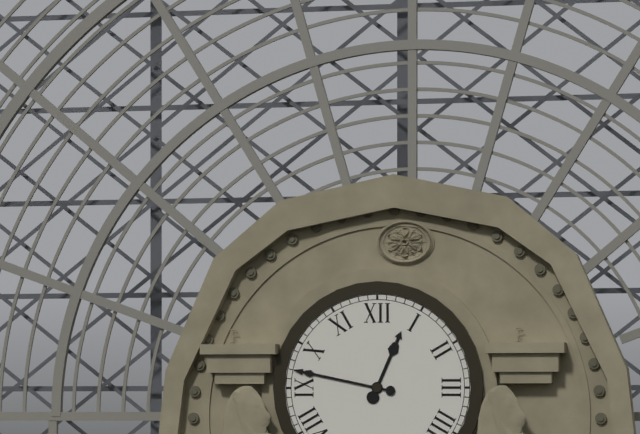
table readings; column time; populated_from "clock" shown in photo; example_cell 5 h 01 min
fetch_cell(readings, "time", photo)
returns 12 h 47 min
